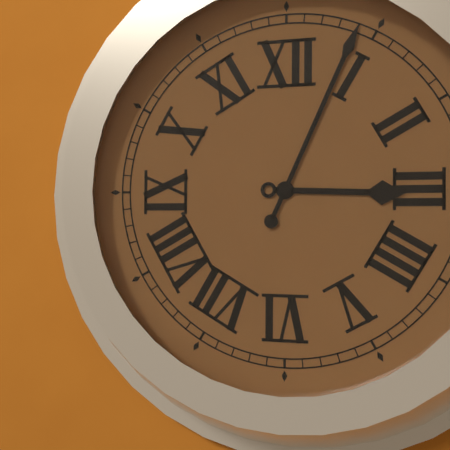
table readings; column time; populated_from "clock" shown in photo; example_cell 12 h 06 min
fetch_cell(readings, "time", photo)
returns 3 h 04 min
